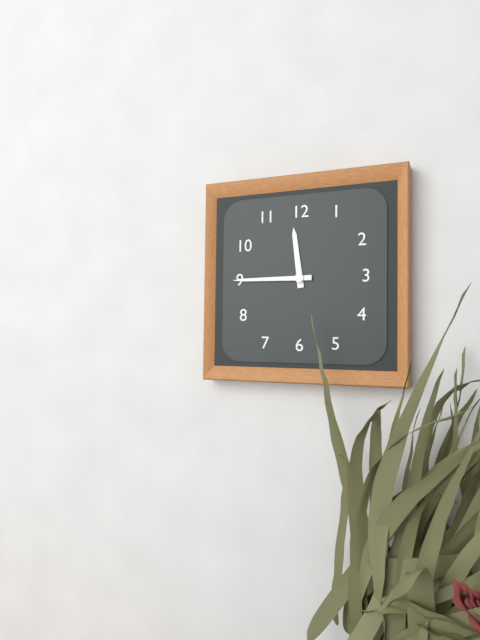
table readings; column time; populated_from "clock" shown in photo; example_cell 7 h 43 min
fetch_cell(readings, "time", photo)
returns 11 h 45 min
